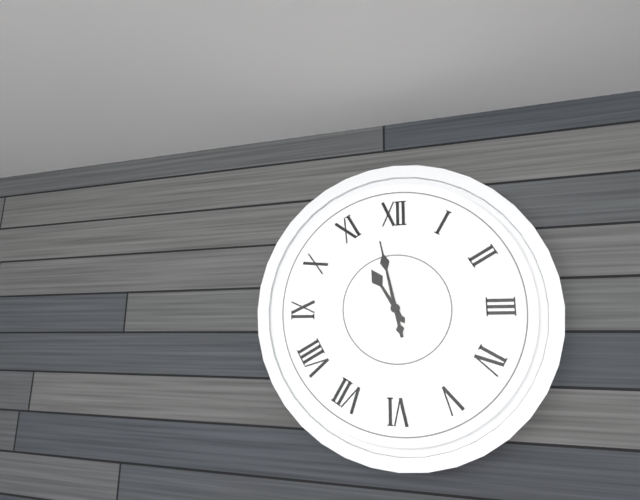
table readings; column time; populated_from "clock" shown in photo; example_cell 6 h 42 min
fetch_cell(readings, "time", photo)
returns 10 h 58 min
